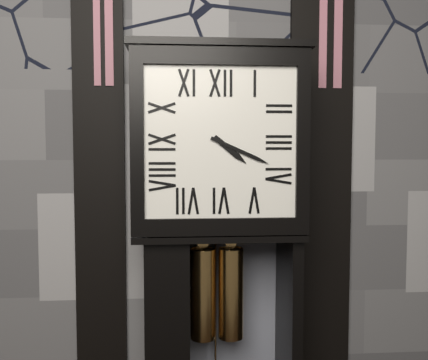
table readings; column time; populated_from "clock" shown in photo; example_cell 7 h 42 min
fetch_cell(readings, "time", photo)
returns 4 h 19 min
